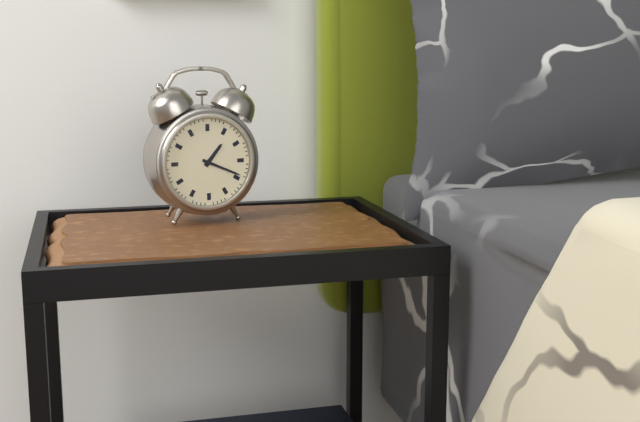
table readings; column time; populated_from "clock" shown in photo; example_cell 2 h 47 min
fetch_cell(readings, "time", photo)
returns 1 h 19 min
